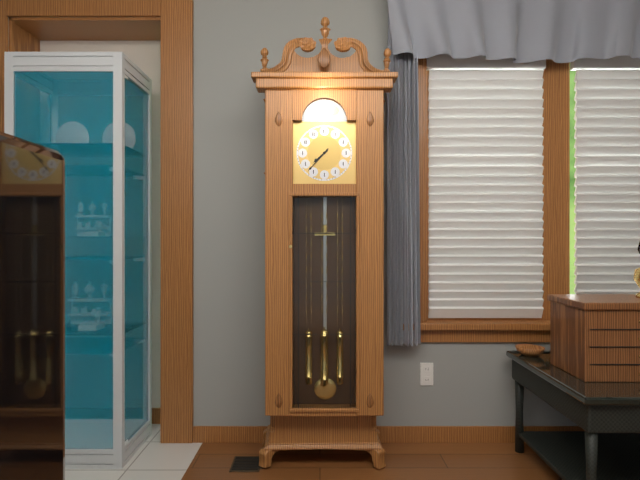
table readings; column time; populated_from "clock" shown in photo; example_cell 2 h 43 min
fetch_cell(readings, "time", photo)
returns 7 h 37 min
